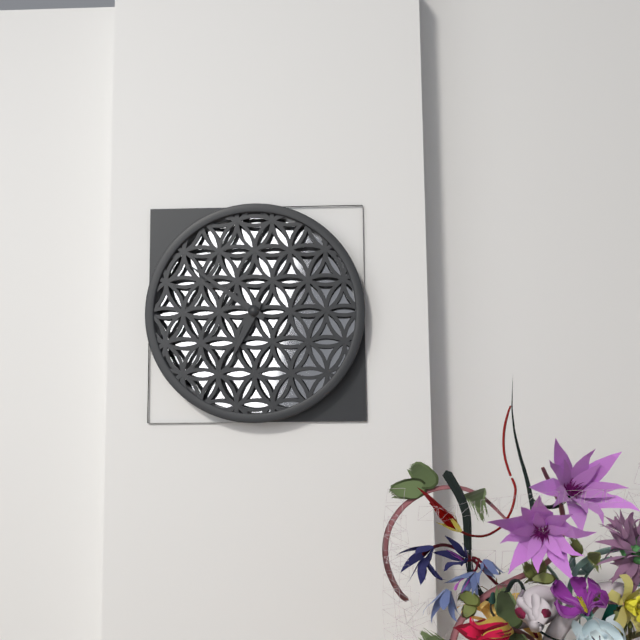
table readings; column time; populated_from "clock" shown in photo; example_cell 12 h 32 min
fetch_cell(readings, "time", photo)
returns 6 h 51 min
